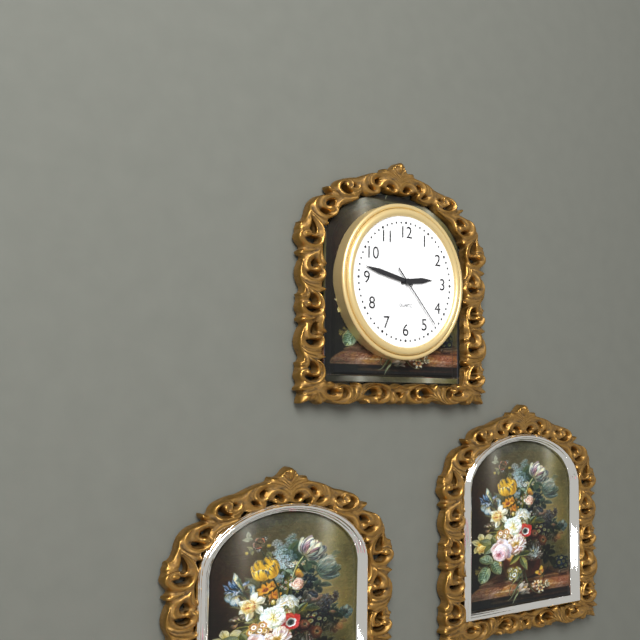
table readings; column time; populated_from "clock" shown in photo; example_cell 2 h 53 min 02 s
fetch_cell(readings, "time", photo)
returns 2 h 47 min 23 s
